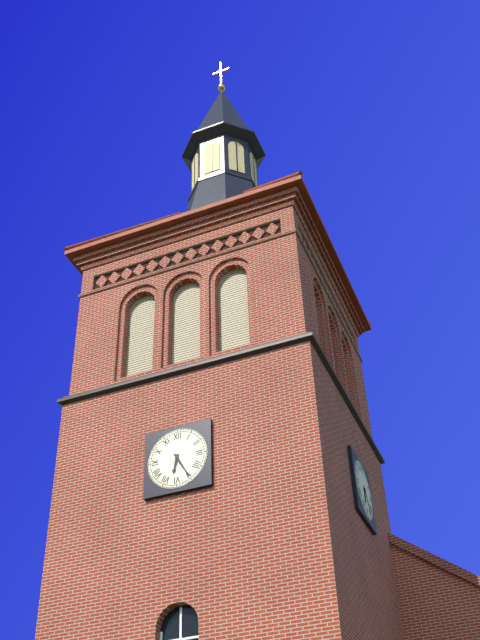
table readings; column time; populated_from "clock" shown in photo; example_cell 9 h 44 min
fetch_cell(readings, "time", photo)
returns 6 h 25 min
